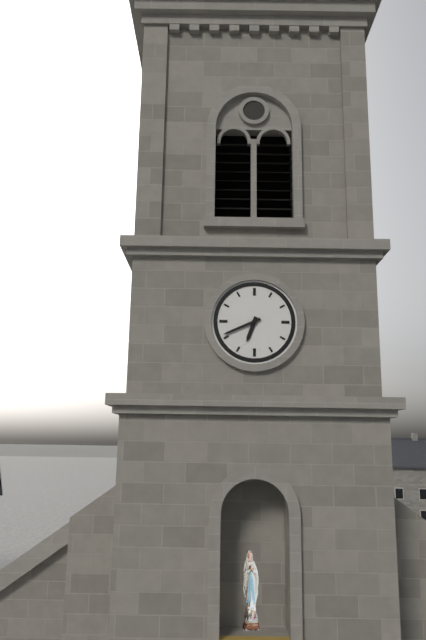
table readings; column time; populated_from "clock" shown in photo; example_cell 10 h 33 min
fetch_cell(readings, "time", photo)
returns 6 h 41 min
